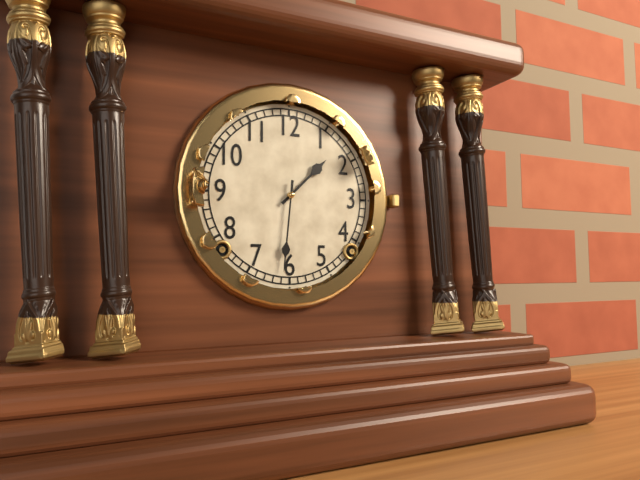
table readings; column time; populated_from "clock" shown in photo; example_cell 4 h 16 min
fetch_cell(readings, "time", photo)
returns 1 h 31 min
